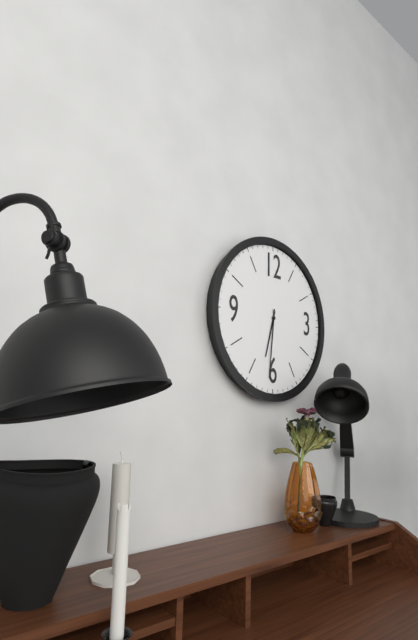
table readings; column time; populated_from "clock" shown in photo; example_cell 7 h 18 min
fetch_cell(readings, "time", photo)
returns 6 h 31 min
